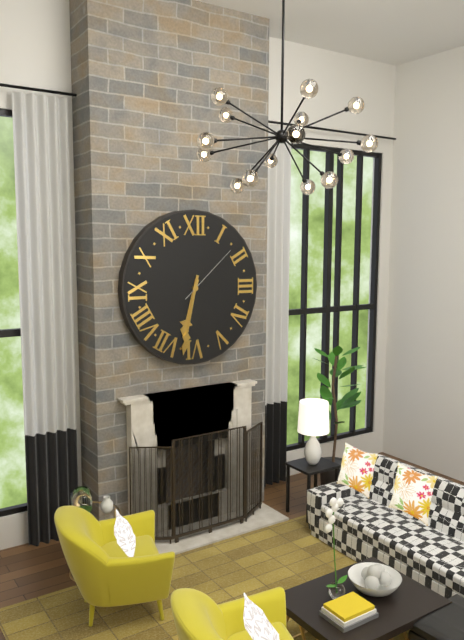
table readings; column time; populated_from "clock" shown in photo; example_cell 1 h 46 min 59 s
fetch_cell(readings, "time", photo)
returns 6 h 32 min 08 s
